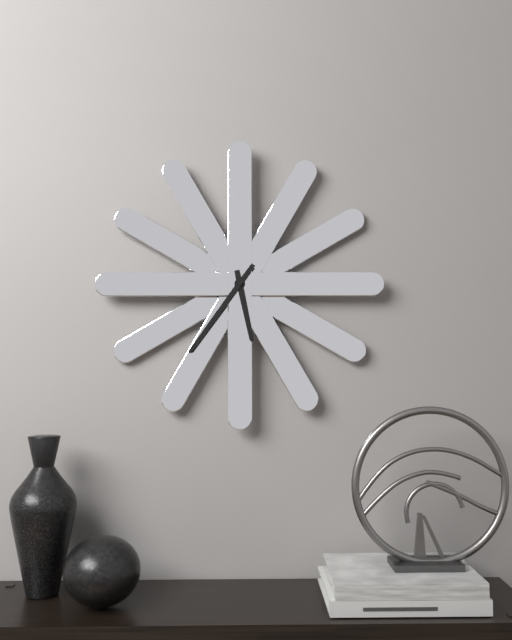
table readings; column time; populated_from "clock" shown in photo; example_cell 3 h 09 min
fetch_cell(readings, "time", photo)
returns 5 h 36 min
